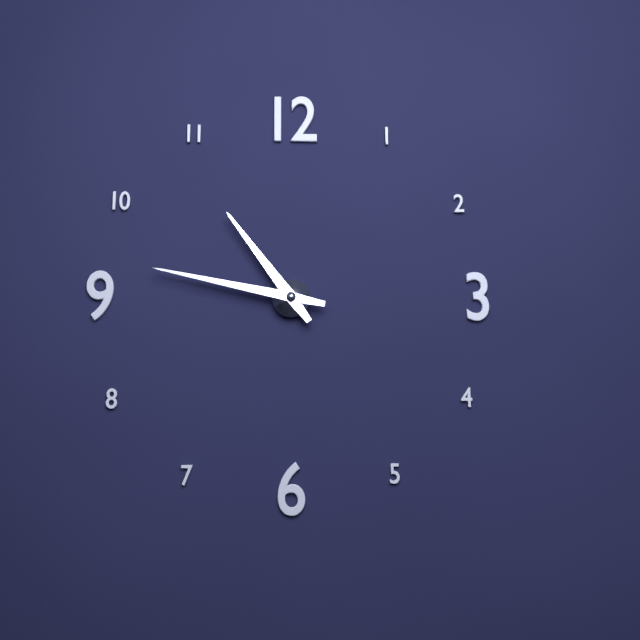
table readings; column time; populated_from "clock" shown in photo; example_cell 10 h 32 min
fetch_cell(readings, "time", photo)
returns 10 h 47 min
